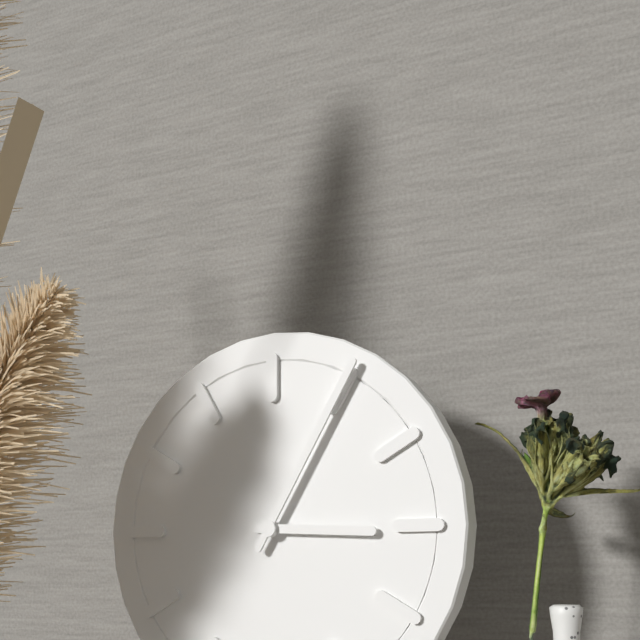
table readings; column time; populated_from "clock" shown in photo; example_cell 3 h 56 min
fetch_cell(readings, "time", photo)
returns 3 h 05 min
